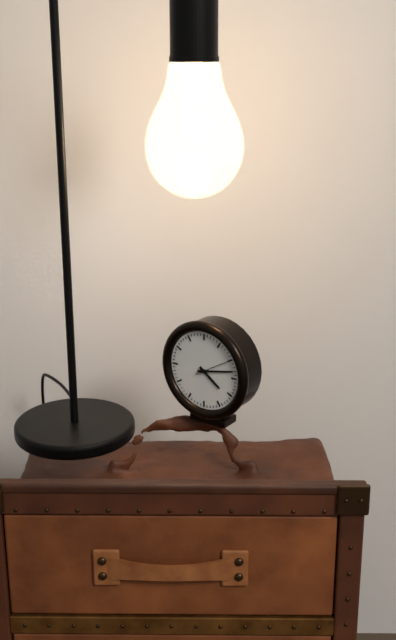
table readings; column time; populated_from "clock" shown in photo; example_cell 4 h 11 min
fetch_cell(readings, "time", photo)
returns 4 h 13 min
